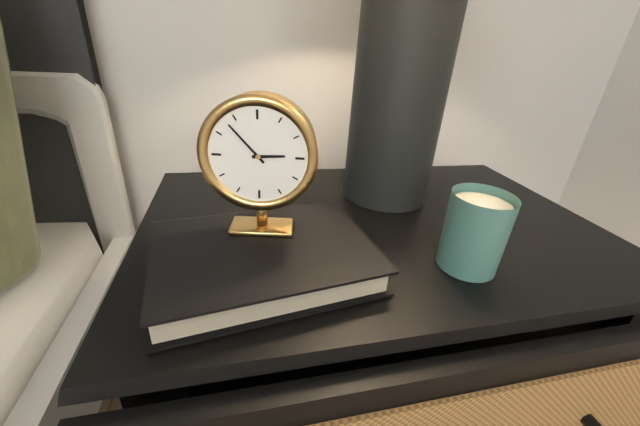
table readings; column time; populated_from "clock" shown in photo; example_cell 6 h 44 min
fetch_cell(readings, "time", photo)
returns 2 h 53 min
